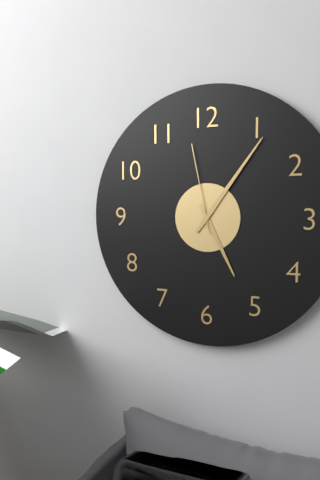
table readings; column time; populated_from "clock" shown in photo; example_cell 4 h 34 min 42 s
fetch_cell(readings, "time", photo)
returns 5 h 06 min 58 s
